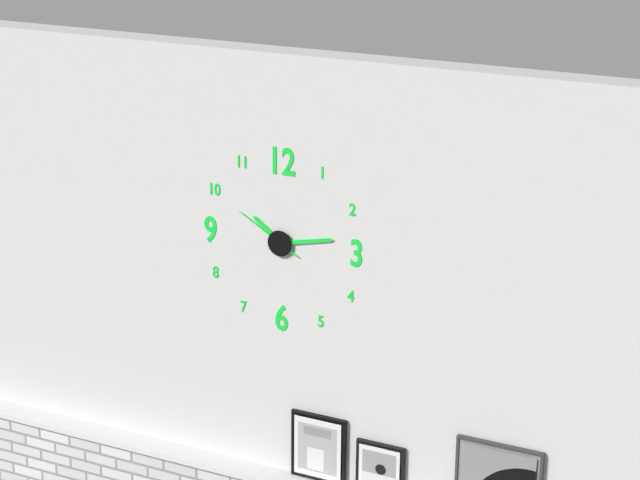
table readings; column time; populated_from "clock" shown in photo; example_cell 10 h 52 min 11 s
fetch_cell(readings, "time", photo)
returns 10 h 13 min 50 s
